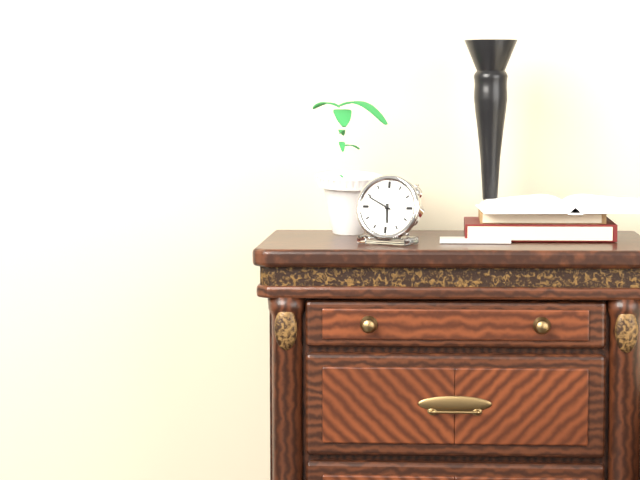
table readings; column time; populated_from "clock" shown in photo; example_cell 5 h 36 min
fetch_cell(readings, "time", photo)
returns 5 h 49 min
